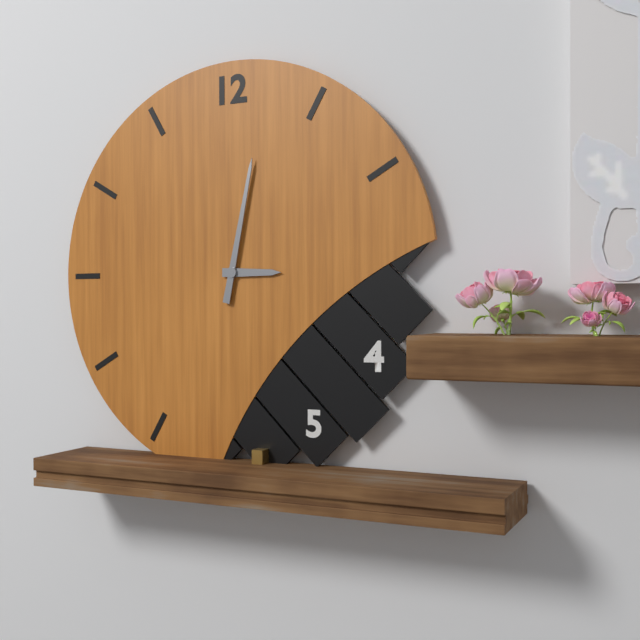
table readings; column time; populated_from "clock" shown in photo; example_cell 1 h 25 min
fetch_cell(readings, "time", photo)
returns 3 h 02 min
